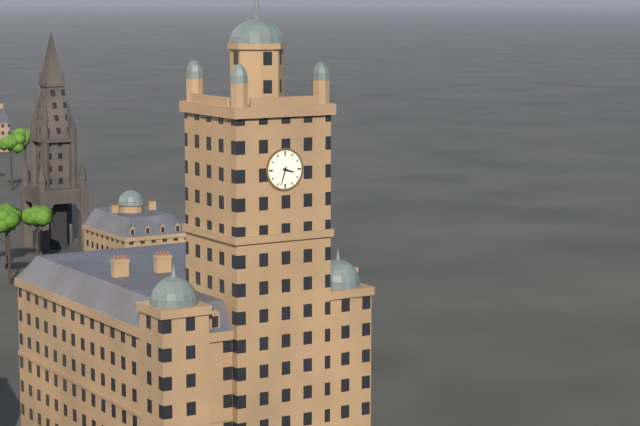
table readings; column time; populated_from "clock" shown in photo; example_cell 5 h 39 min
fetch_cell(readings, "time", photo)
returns 3 h 33 min
